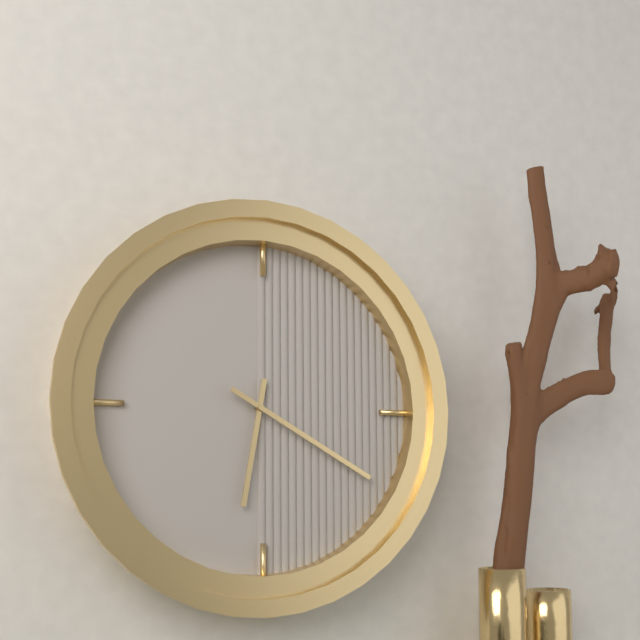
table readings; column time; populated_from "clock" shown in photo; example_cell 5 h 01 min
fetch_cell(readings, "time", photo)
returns 6 h 20 min
